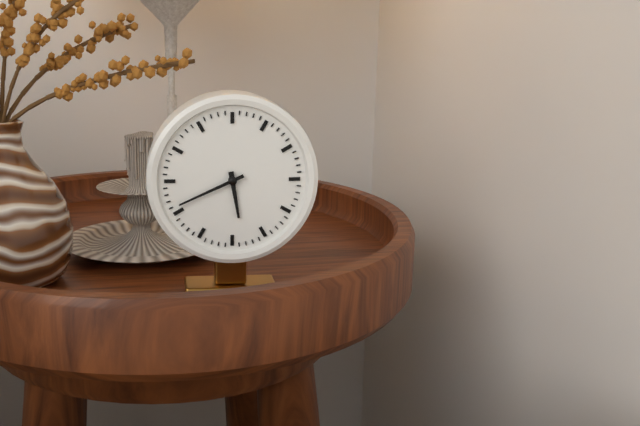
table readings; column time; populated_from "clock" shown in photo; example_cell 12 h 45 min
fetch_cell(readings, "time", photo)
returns 5 h 41 min
